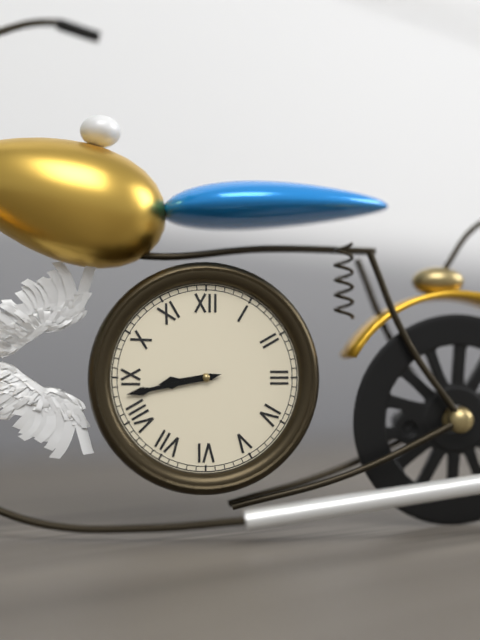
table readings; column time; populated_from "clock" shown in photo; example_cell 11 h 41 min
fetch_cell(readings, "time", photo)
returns 8 h 43 min
